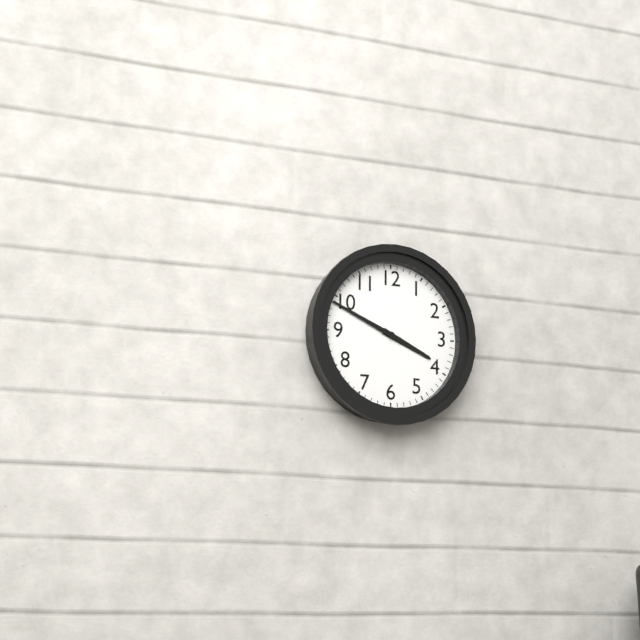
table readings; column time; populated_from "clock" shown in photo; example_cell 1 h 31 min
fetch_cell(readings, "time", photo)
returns 3 h 49 min
